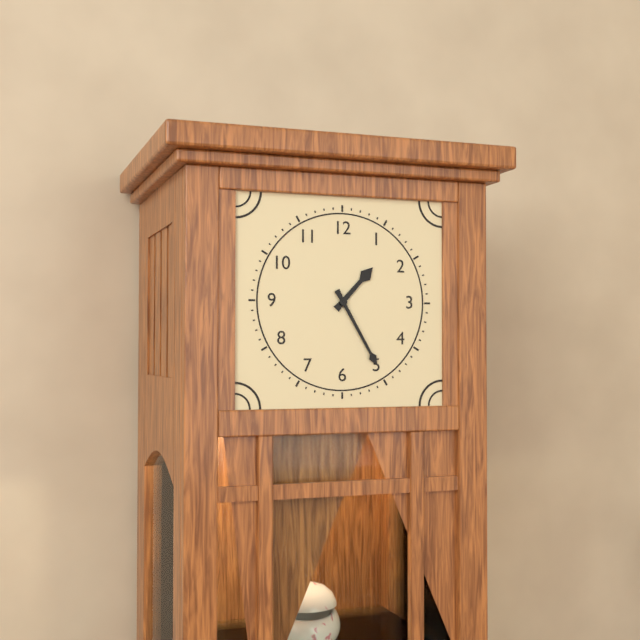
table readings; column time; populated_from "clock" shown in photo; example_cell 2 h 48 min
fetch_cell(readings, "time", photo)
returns 1 h 25 min
